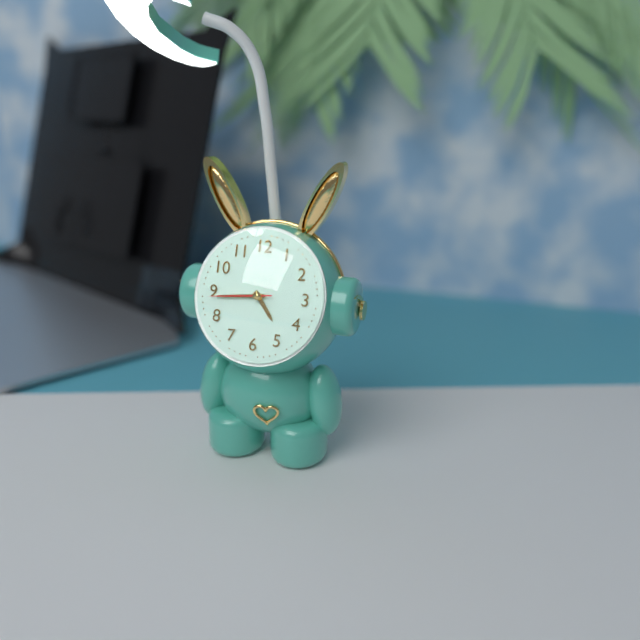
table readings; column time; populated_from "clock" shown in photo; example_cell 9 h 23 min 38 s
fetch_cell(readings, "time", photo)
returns 4 h 44 min 44 s
